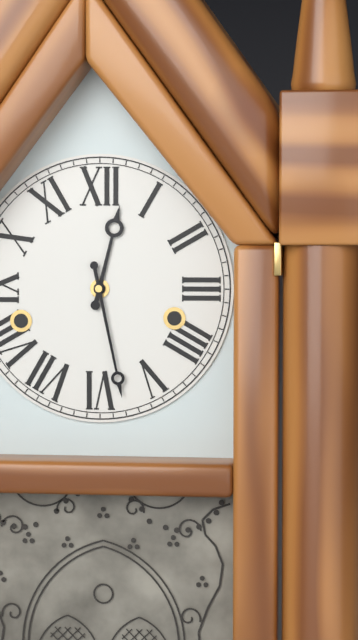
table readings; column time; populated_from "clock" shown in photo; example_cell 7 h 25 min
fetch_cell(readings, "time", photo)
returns 12 h 28 min
